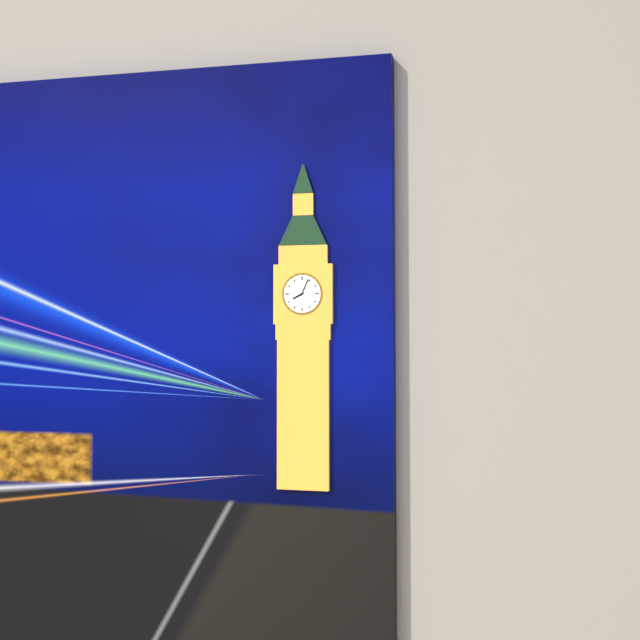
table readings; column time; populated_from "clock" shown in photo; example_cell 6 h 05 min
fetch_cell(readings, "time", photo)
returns 8 h 04 min
